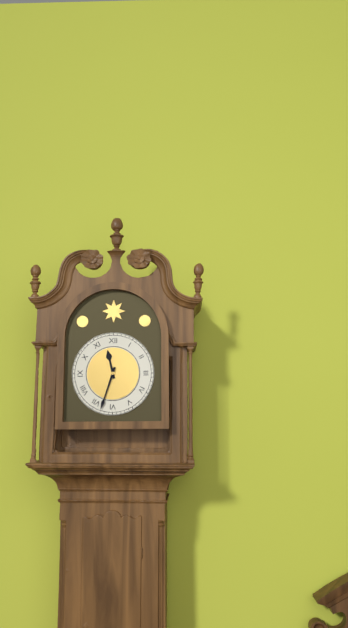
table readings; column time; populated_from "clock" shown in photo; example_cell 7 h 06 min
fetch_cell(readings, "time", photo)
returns 11 h 33 min
